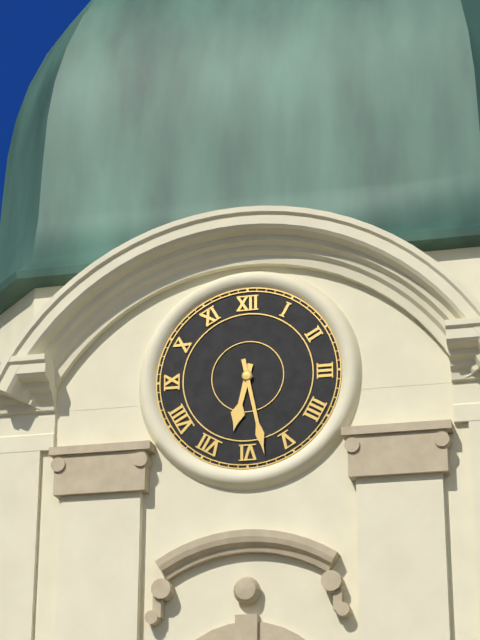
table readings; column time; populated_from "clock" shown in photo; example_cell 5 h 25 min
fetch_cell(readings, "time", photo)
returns 6 h 28 min
